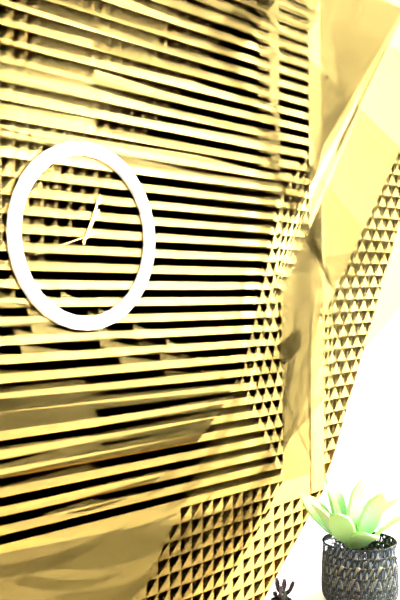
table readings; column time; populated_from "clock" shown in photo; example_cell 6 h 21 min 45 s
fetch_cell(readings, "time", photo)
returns 1 h 04 min 42 s
